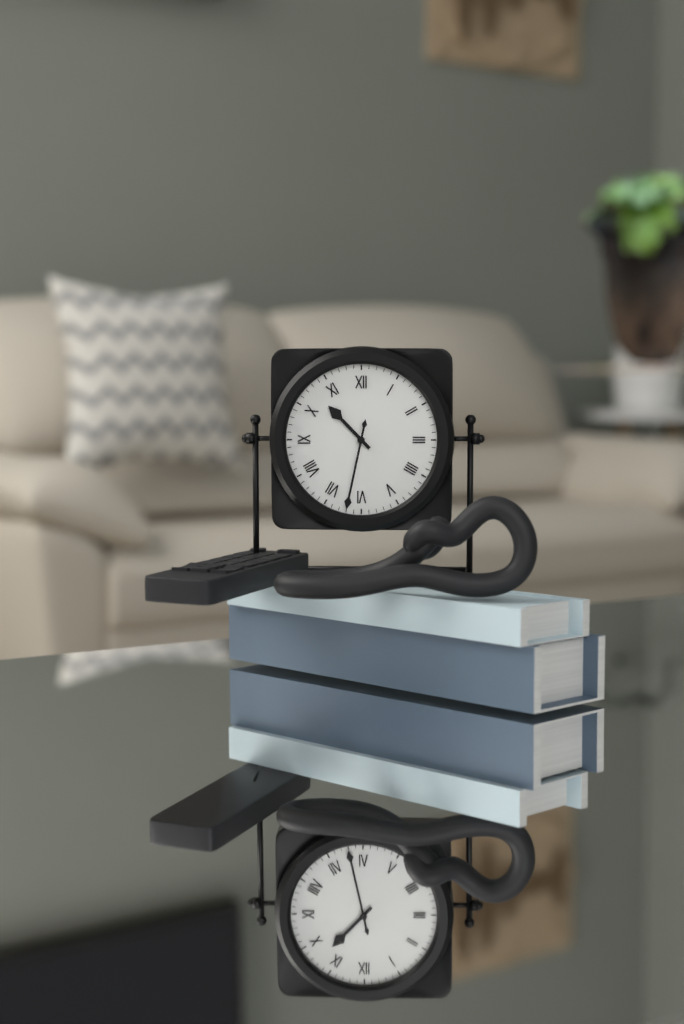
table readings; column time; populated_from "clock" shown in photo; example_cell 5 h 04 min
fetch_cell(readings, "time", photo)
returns 10 h 32 min
